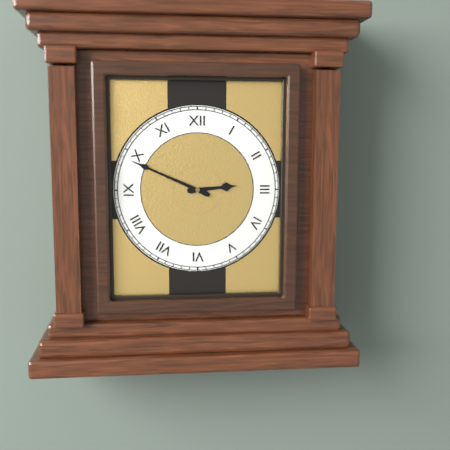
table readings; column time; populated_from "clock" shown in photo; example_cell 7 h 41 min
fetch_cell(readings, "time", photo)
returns 2 h 49 min
